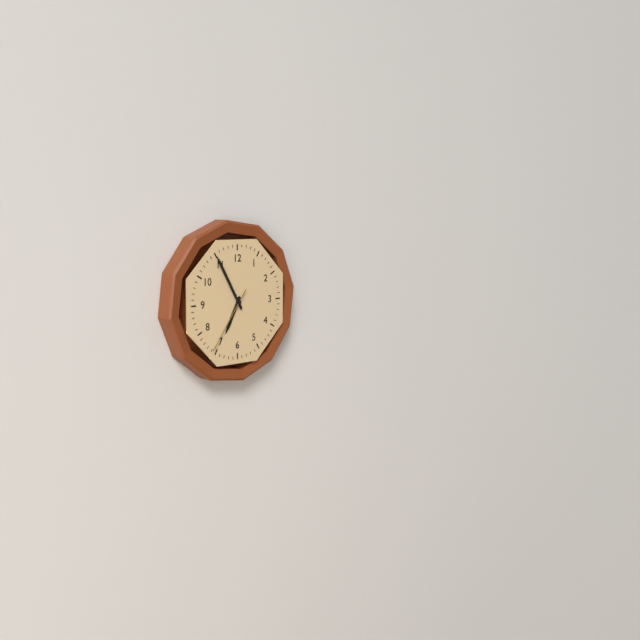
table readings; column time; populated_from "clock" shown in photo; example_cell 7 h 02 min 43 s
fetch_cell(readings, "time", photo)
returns 6 h 55 min 36 s
